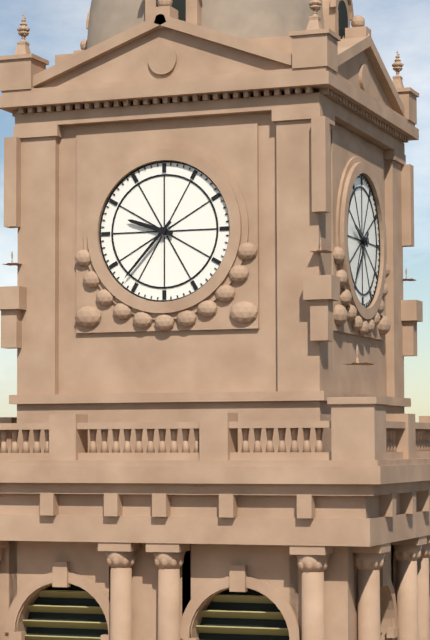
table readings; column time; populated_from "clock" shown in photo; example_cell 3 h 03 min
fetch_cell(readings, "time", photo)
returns 9 h 37 min
